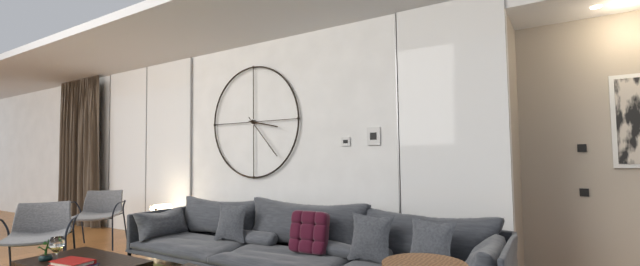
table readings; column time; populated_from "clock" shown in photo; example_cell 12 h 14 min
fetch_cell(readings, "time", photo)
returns 3 h 23 min
